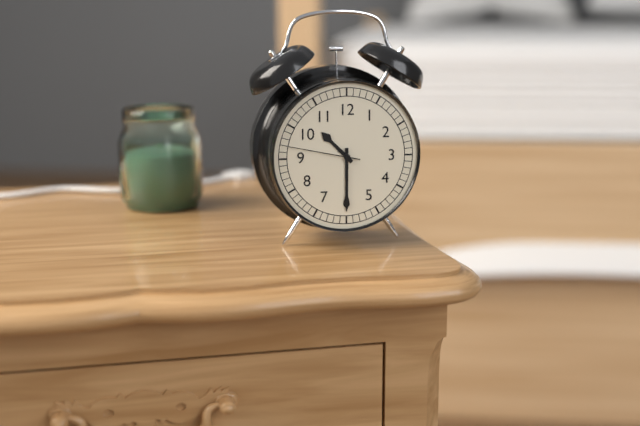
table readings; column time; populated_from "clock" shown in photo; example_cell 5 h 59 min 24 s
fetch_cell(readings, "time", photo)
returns 10 h 30 min 47 s
